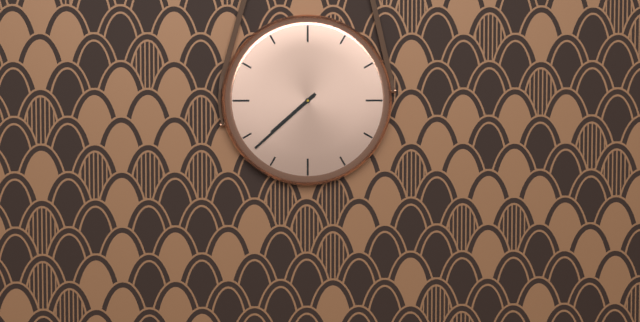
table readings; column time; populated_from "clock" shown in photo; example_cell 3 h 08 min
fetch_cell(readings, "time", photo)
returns 7 h 38 min
